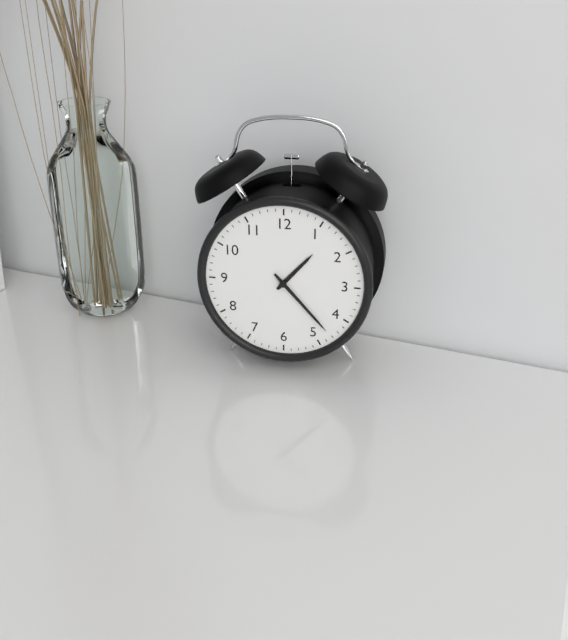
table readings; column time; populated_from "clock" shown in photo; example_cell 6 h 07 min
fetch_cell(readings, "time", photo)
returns 1 h 23 min
